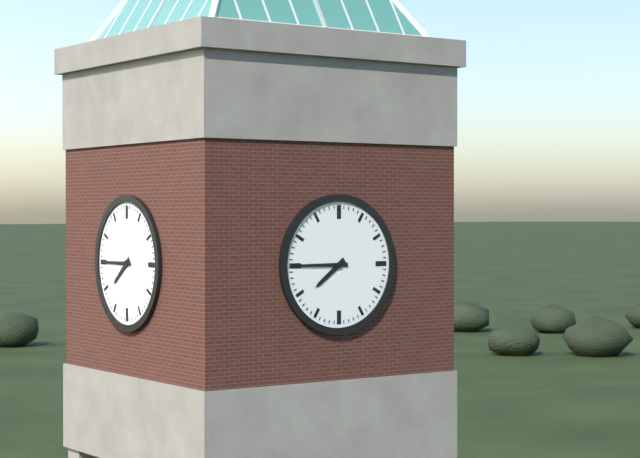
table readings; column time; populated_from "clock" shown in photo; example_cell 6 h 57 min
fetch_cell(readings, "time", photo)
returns 7 h 45 min
